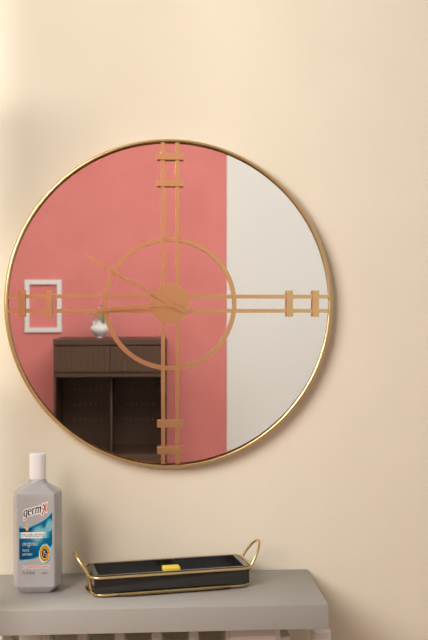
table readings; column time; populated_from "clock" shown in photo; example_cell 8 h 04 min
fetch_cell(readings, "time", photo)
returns 8 h 50 min
